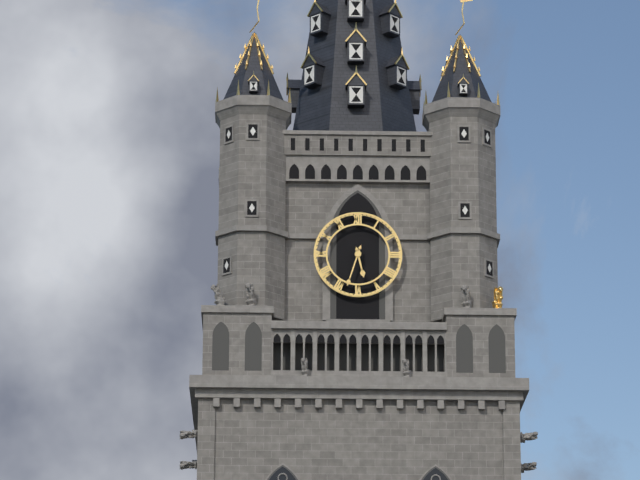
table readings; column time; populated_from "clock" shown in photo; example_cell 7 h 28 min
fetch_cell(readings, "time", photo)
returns 5 h 33 min
